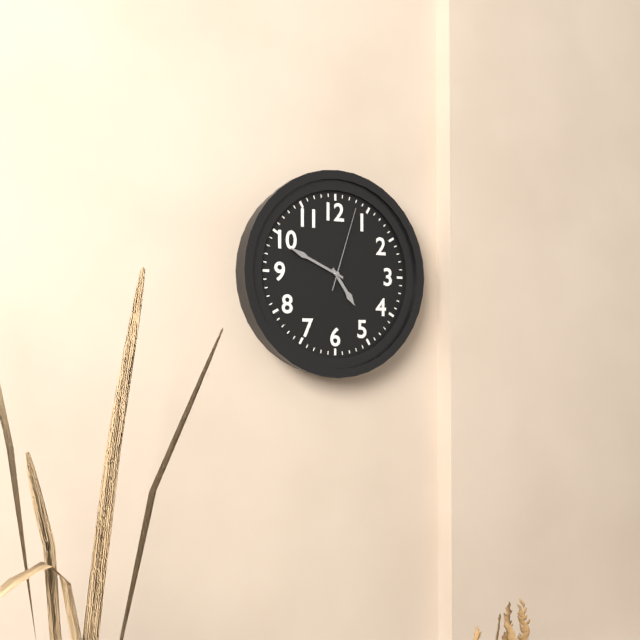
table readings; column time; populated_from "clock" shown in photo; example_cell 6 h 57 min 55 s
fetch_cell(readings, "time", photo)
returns 4 h 49 min 03 s
